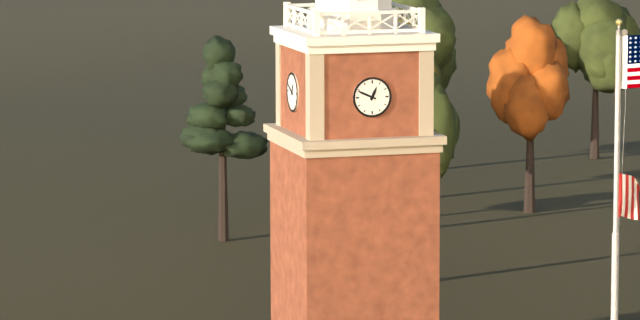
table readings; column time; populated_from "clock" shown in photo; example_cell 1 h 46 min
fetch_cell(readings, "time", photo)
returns 12 h 49 min
